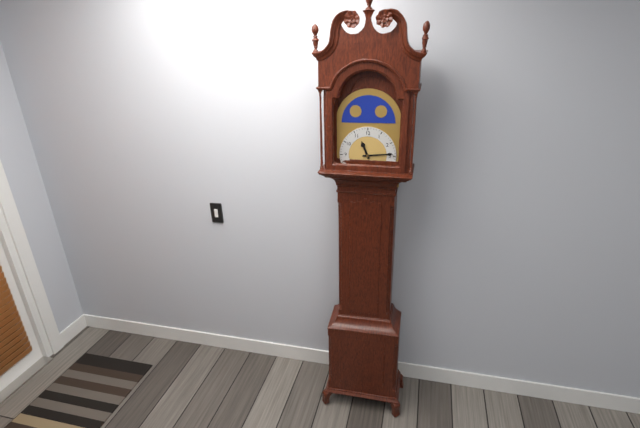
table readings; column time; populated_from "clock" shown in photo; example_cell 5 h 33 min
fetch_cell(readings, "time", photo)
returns 11 h 14 min
